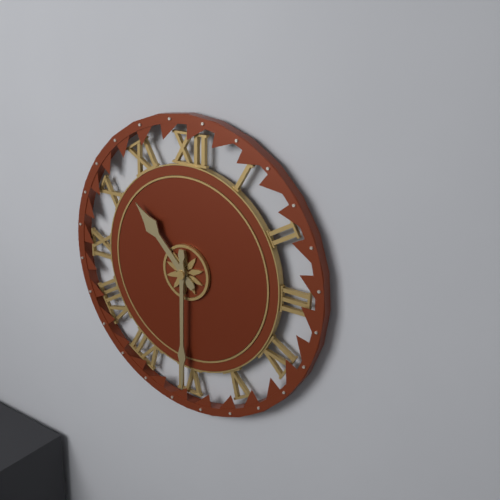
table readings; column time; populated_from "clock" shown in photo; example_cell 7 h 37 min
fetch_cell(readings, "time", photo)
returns 10 h 30 min
